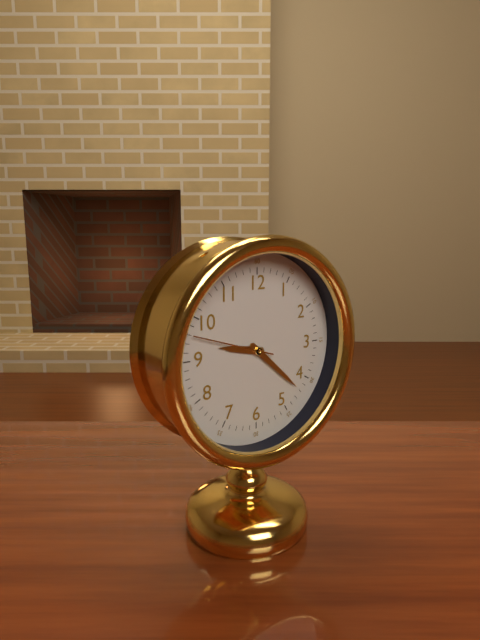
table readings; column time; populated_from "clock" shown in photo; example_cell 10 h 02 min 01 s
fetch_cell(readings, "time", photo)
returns 9 h 22 min 48 s
